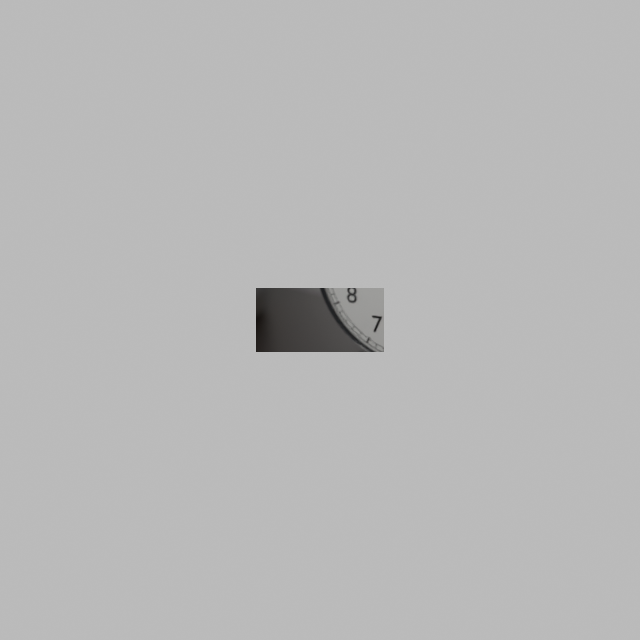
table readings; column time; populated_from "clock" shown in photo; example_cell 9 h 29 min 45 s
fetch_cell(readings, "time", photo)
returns 2 h 09 min 51 s
